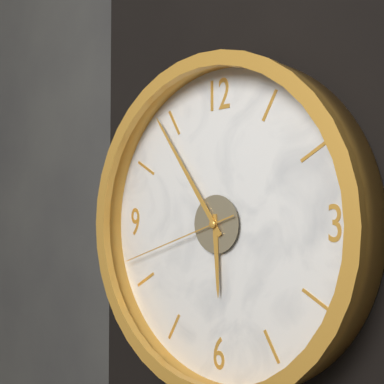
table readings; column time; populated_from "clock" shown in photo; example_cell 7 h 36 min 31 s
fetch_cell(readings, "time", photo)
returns 5 h 54 min 42 s
